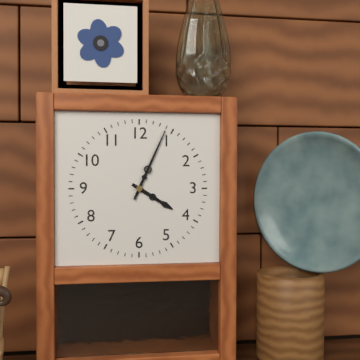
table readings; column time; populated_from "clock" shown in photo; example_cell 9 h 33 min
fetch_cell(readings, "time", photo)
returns 4 h 04 min
